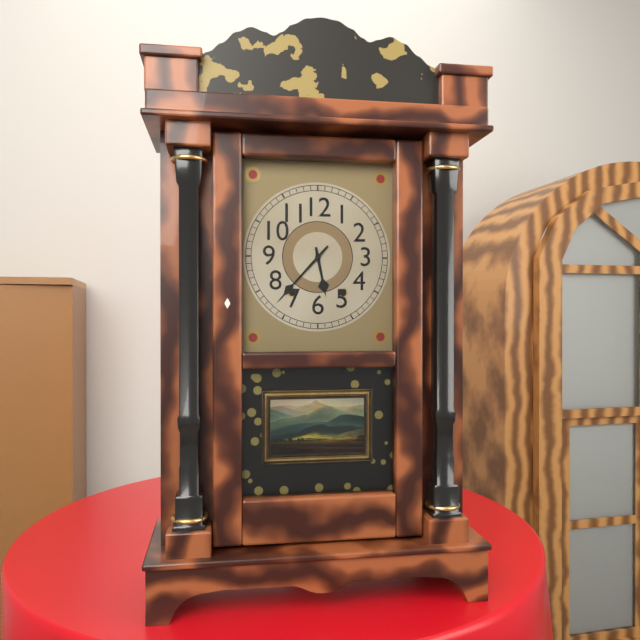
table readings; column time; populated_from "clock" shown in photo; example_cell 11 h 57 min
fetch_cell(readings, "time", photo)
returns 5 h 37 min
